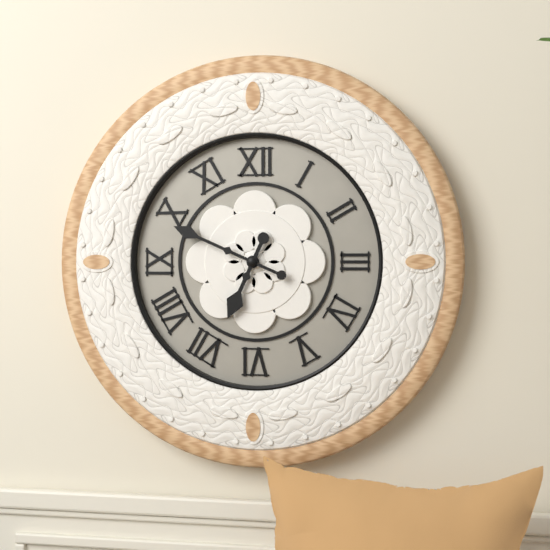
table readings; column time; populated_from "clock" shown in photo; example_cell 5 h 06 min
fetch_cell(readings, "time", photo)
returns 6 h 49 min
